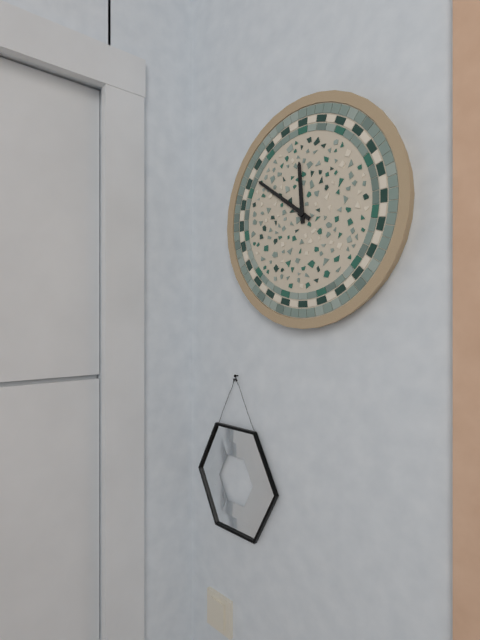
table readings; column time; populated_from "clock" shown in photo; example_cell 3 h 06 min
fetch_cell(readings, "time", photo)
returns 11 h 51 min
